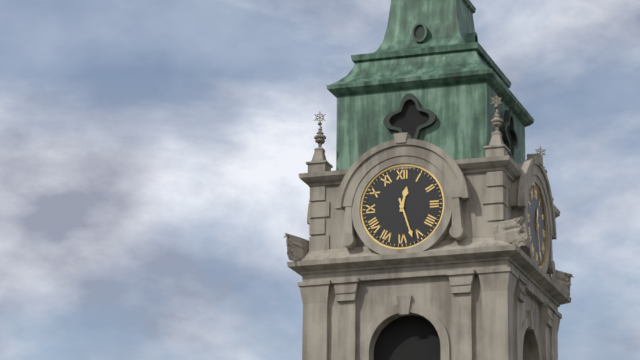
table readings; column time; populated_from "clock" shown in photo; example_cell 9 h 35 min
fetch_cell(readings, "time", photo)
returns 12 h 27 min
